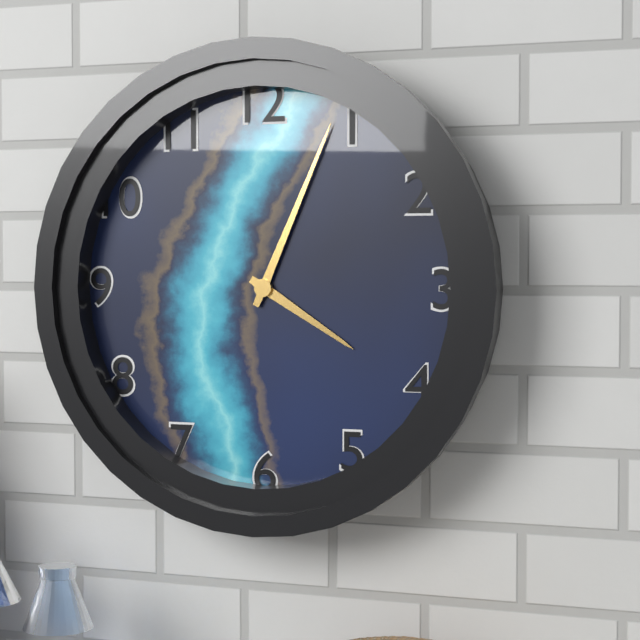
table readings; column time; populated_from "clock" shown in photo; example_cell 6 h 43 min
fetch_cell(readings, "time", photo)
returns 4 h 04 min
